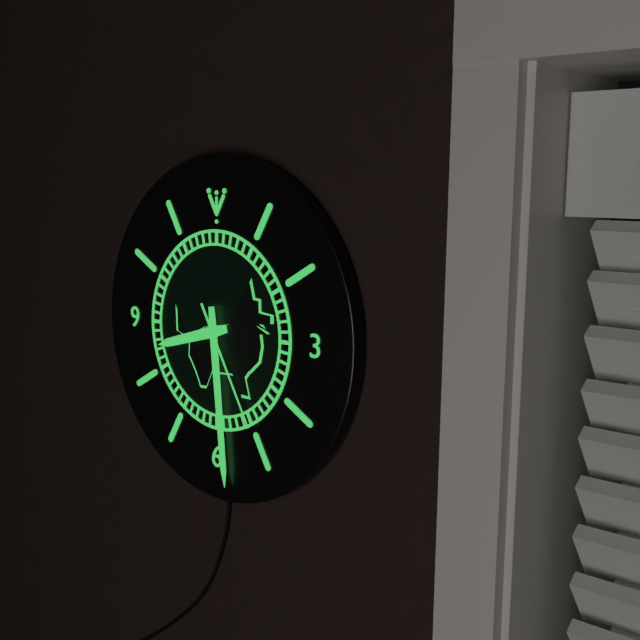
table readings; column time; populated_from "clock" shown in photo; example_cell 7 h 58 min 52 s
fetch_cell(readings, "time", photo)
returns 8 h 29 min 25 s
